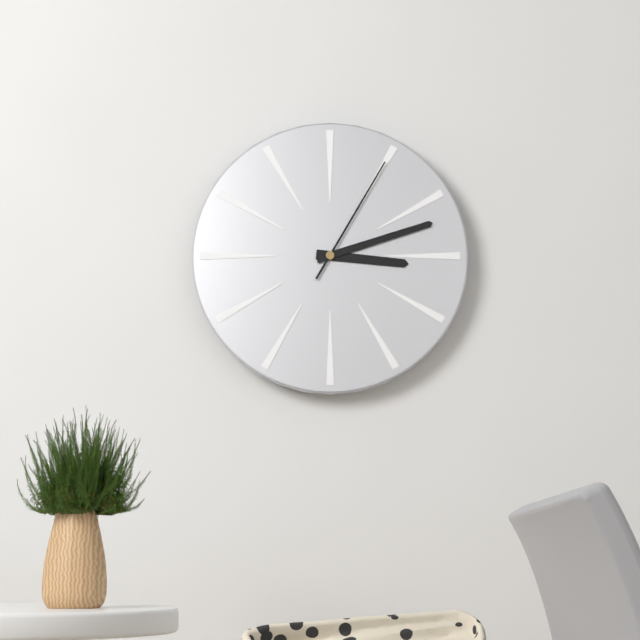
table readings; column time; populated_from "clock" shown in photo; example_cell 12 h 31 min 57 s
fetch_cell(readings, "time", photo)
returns 3 h 12 min 05 s
